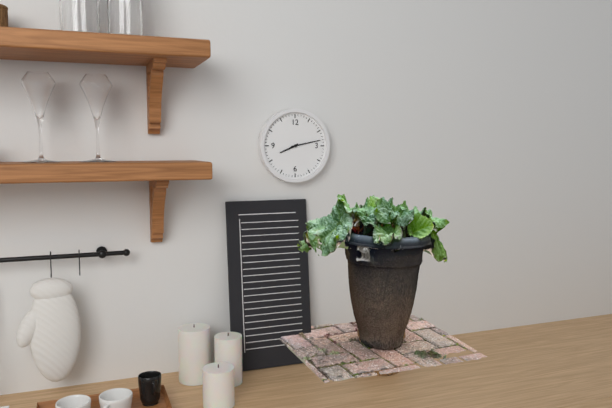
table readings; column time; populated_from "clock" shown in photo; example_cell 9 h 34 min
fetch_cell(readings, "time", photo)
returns 8 h 13 min
